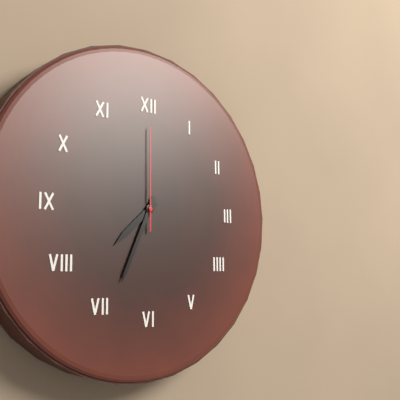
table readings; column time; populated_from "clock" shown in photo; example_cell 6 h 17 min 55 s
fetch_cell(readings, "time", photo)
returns 7 h 34 min 00 s
